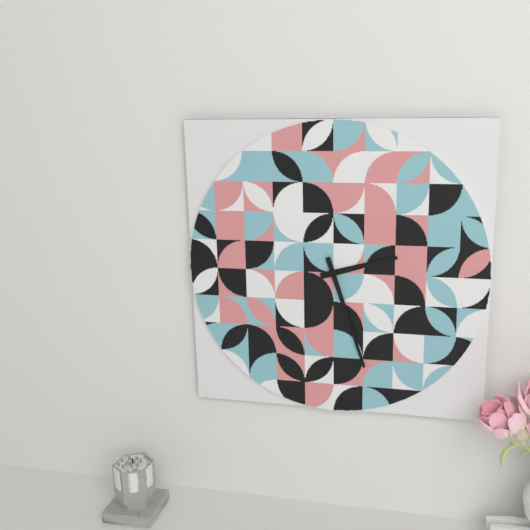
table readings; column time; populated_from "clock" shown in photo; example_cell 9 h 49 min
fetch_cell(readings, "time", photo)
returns 2 h 27 min
